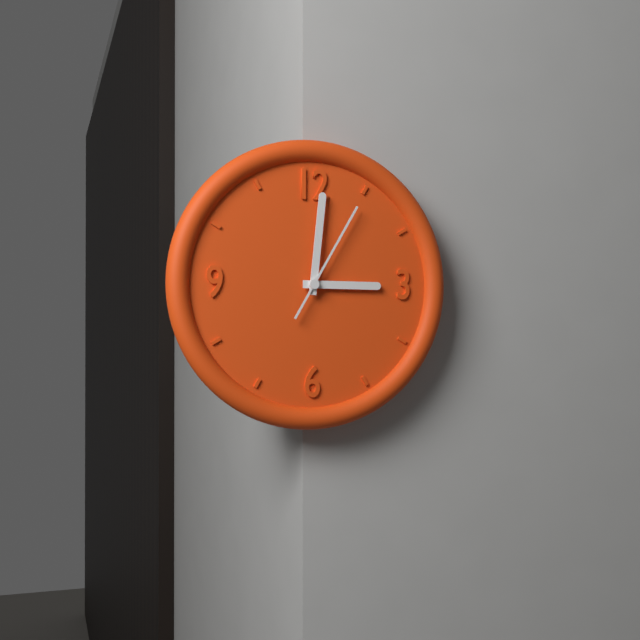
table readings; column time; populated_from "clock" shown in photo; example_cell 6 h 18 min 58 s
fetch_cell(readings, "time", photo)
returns 3 h 01 min 05 s
